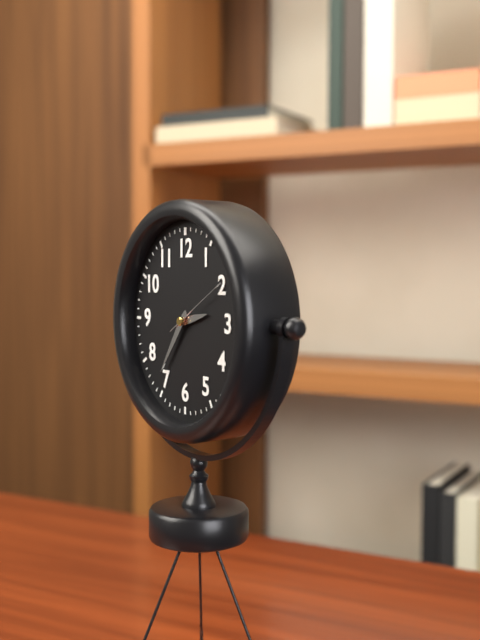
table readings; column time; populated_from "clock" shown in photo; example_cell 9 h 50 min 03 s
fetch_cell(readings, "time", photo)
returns 2 h 36 min 10 s
